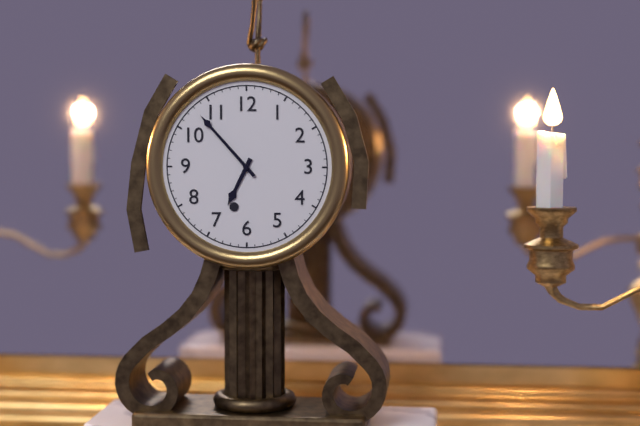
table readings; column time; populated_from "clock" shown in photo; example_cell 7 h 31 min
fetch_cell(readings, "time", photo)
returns 6 h 53 min
